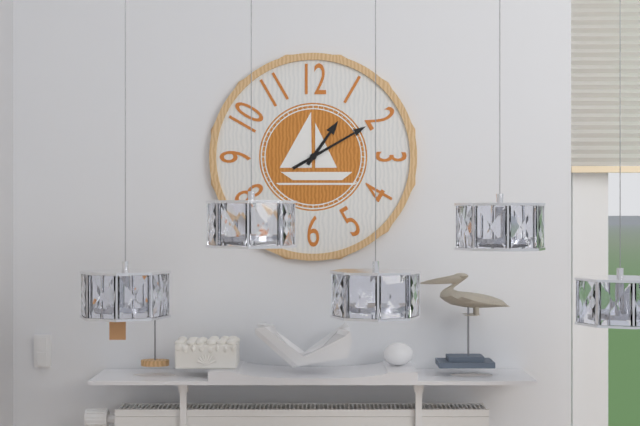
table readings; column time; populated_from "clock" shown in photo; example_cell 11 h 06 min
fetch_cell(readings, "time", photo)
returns 1 h 10 min
